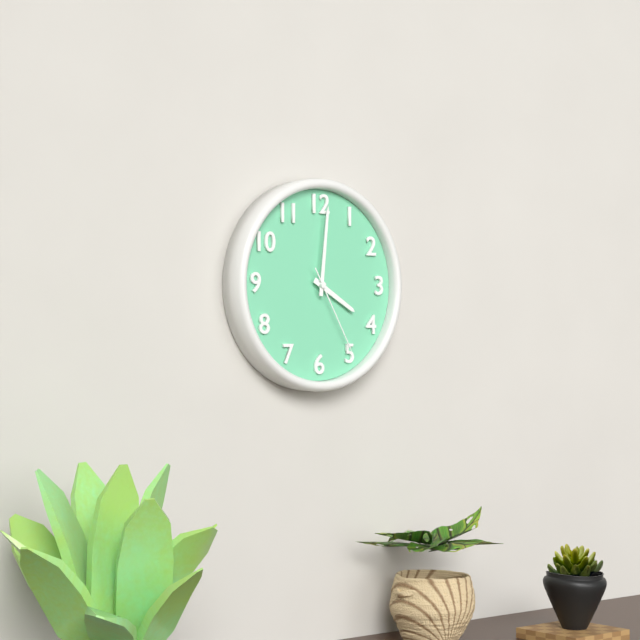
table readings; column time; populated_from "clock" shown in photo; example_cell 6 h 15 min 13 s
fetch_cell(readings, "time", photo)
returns 4 h 01 min 25 s
